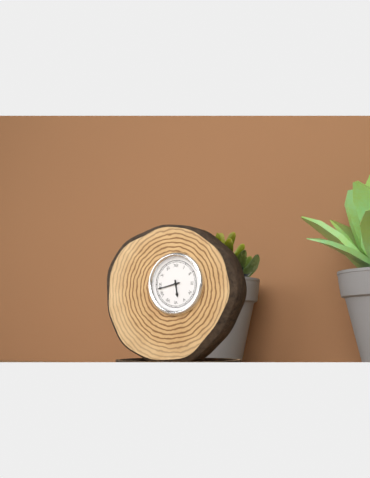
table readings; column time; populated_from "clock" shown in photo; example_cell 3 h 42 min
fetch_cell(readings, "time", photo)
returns 5 h 43 min
